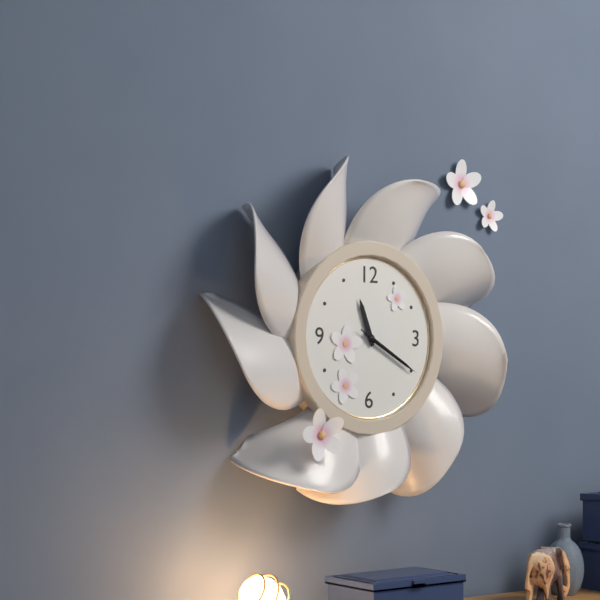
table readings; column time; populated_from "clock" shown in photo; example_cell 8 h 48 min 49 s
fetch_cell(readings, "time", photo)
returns 11 h 20 min 20 s
